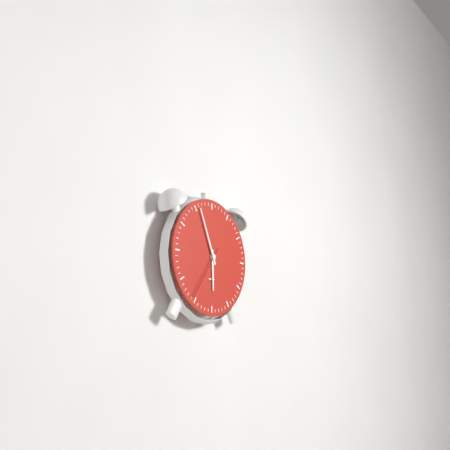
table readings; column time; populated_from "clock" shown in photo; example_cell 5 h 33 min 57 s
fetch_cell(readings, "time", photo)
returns 5 h 56 min 36 s
